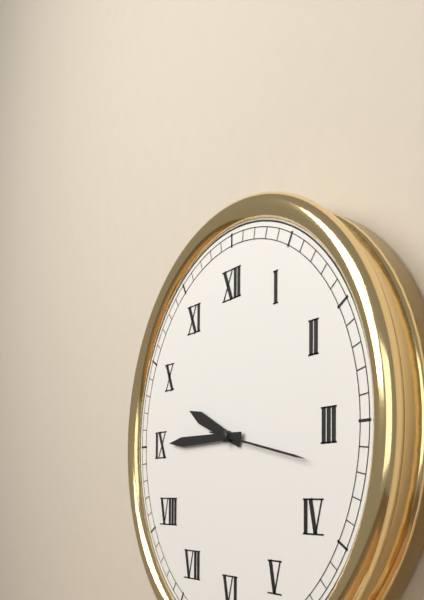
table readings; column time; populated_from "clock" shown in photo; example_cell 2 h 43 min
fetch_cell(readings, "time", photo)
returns 9 h 45 min
